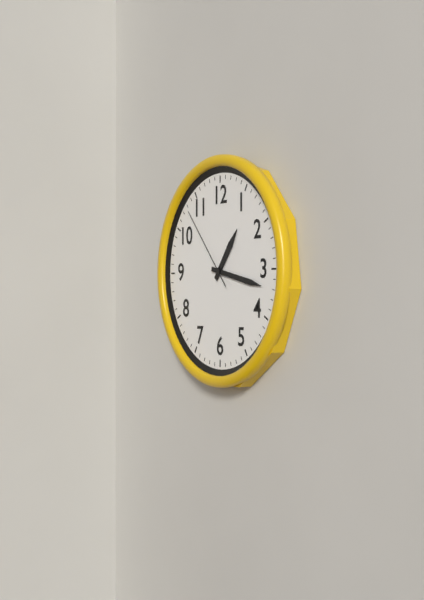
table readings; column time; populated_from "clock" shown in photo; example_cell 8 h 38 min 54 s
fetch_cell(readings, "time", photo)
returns 1 h 17 min 53 s
